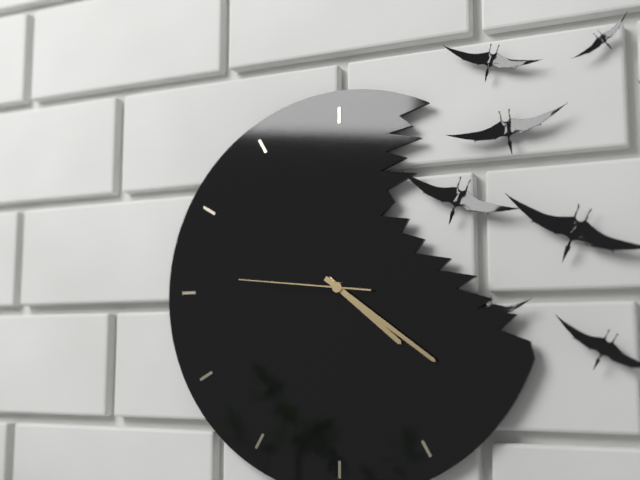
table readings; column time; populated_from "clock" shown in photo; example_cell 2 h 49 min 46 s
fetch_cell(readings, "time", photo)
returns 4 h 21 min 46 s
